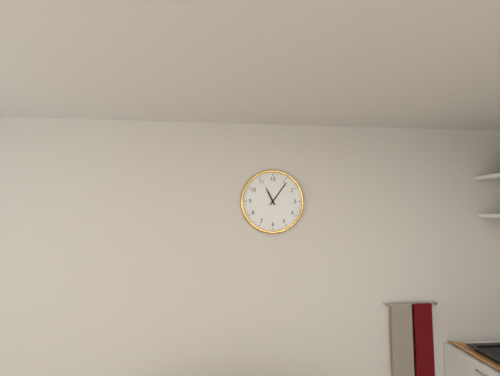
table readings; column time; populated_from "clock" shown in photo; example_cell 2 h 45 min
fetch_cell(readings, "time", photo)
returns 11 h 06 min
